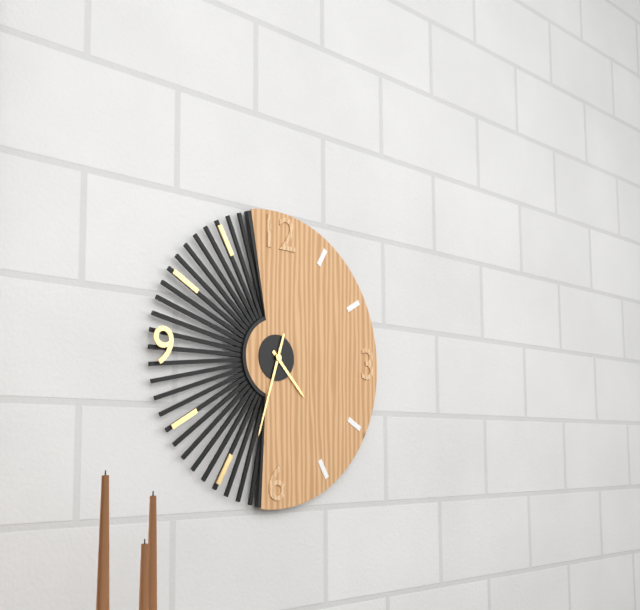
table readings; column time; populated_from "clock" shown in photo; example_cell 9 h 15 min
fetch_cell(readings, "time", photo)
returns 4 h 33 min
